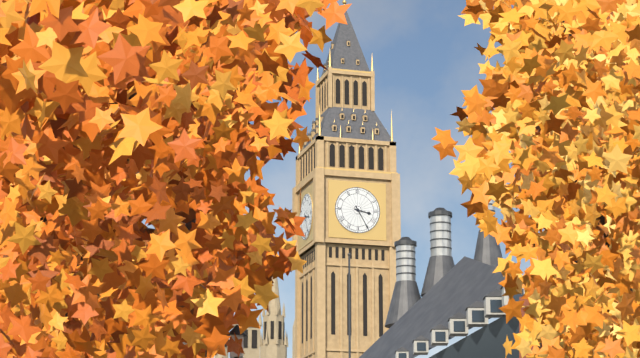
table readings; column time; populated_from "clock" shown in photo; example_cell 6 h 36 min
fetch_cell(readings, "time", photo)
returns 3 h 25 min
